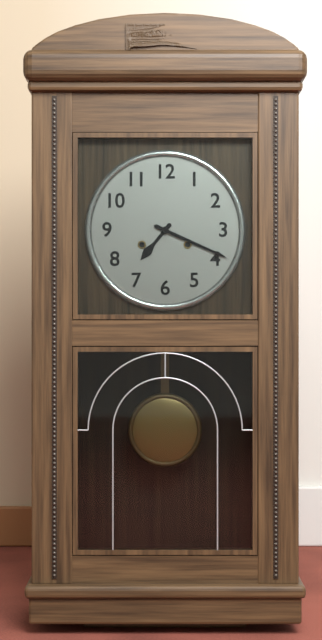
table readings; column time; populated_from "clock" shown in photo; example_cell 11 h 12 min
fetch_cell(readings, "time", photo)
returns 7 h 19 min
